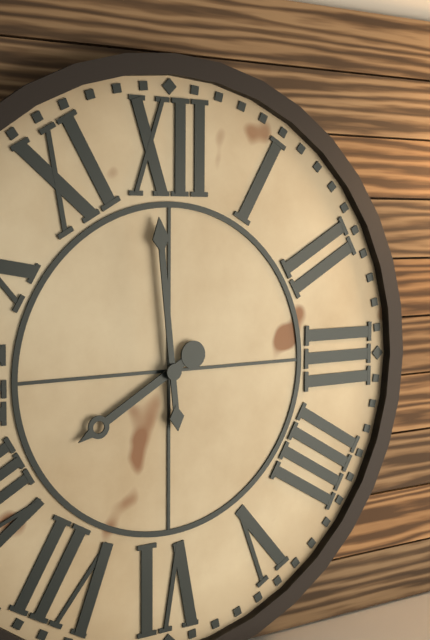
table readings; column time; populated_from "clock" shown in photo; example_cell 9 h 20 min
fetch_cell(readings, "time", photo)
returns 7 h 59 min
